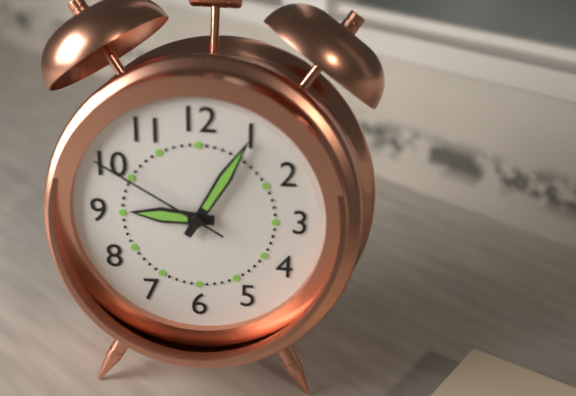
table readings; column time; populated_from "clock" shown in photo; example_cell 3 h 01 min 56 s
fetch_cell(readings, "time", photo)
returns 9 h 05 min 50 s
